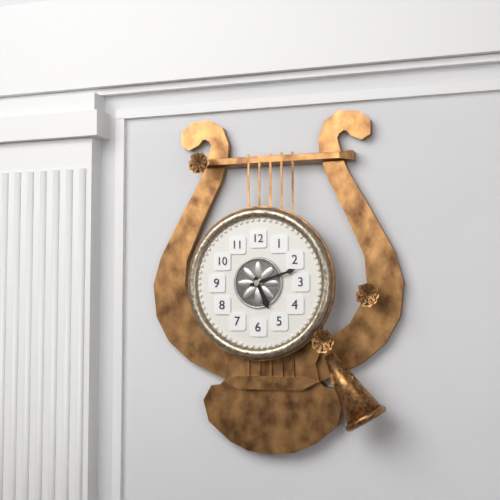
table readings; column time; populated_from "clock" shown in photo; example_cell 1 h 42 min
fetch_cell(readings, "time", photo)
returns 5 h 12 min
